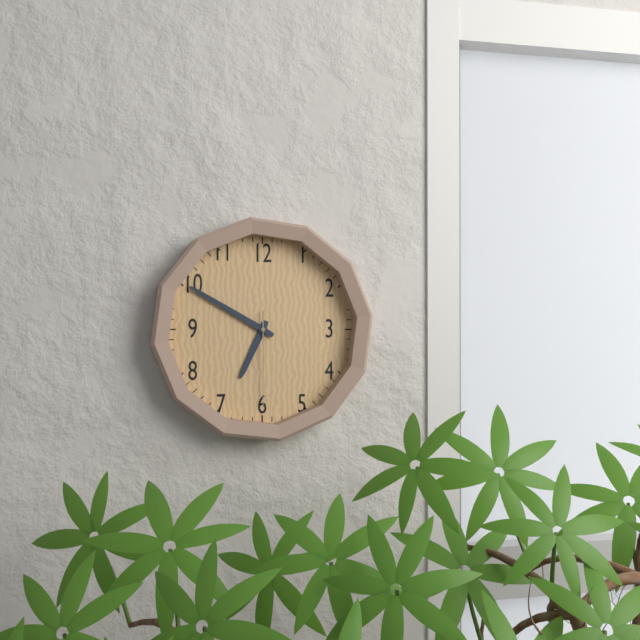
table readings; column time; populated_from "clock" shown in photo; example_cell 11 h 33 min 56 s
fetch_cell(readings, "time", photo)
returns 6 h 50 min 30 s
